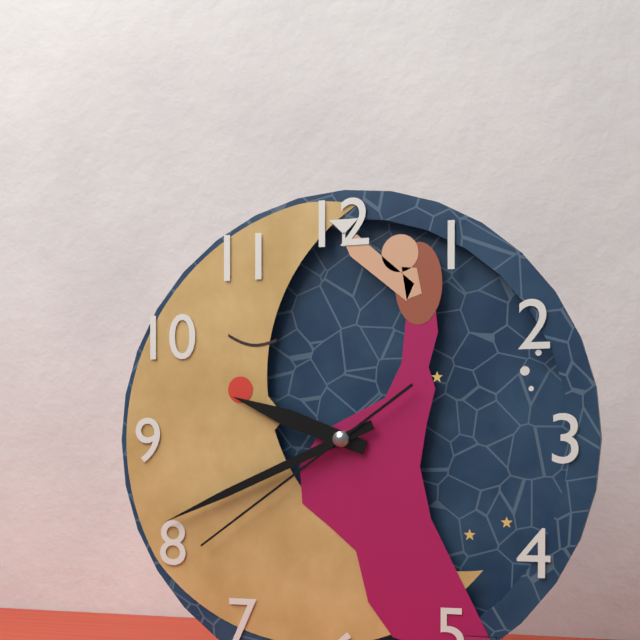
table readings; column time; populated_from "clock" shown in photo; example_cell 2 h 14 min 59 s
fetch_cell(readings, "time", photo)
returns 9 h 41 min 39 s
